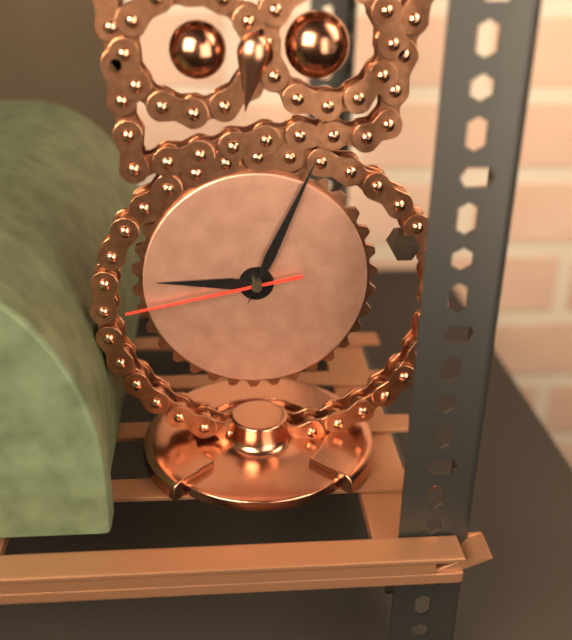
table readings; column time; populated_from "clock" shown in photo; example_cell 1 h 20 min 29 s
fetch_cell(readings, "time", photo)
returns 9 h 04 min 43 s
